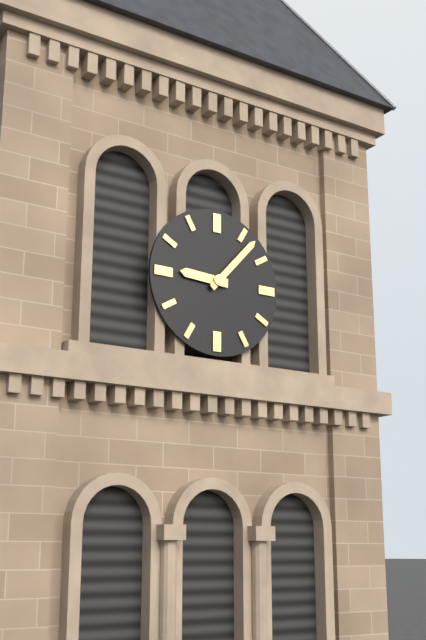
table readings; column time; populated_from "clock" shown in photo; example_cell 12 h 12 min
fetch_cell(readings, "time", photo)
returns 9 h 07 min
